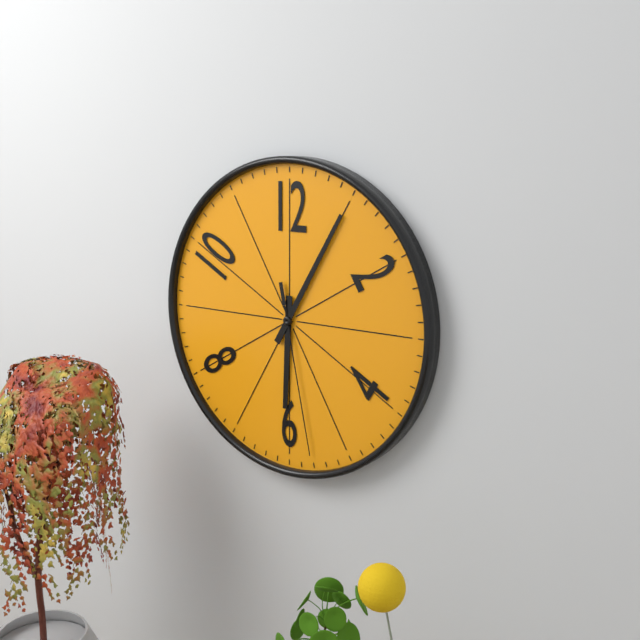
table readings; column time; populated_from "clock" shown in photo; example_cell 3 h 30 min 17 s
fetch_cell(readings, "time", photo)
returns 6 h 05 min 28 s
